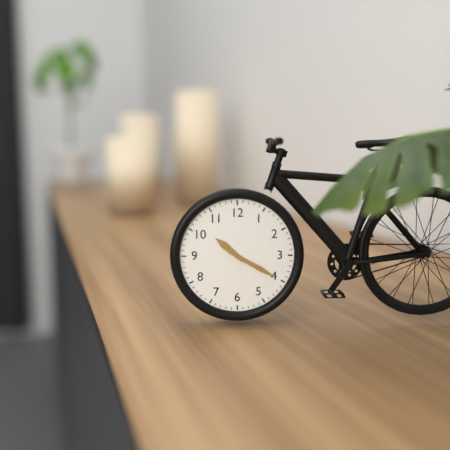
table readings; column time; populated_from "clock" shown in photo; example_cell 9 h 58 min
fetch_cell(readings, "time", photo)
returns 10 h 20 min
